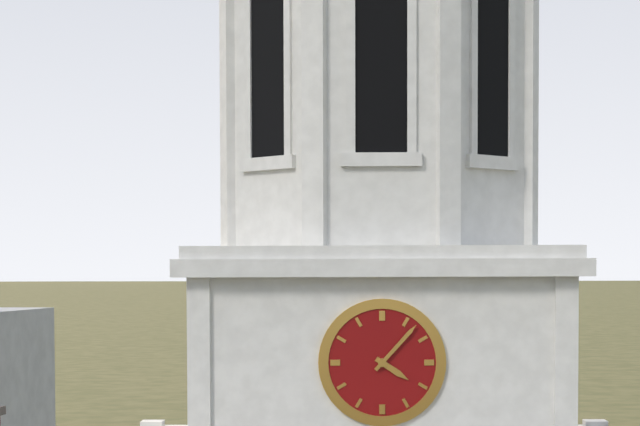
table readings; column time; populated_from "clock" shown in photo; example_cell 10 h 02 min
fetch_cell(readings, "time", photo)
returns 4 h 07 min
